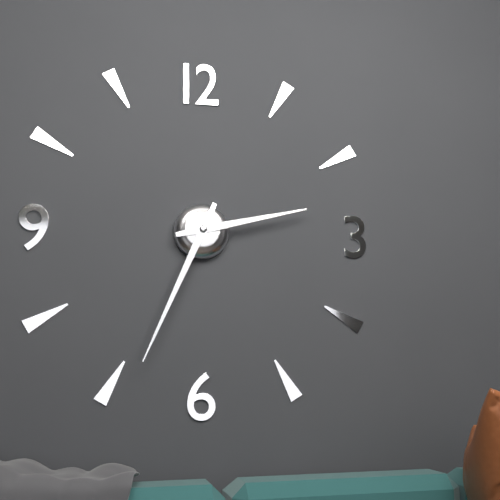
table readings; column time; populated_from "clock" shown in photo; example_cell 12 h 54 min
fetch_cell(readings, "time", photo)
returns 2 h 34 min
